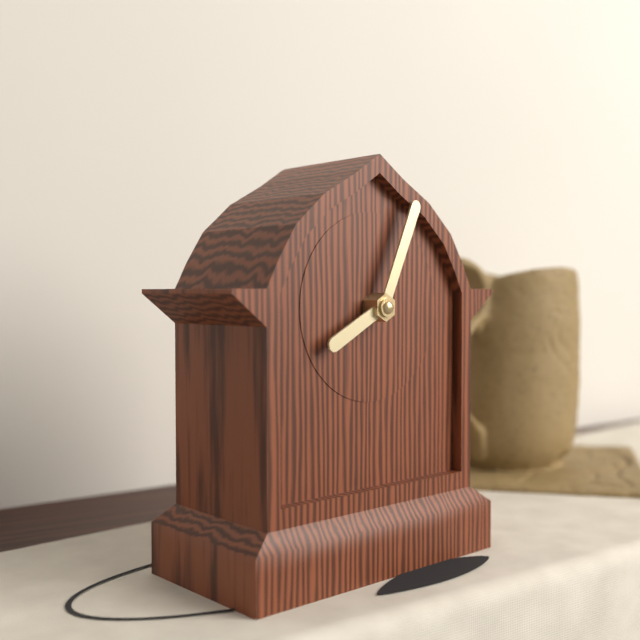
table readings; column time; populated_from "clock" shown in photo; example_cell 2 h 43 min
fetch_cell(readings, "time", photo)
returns 8 h 04 min
